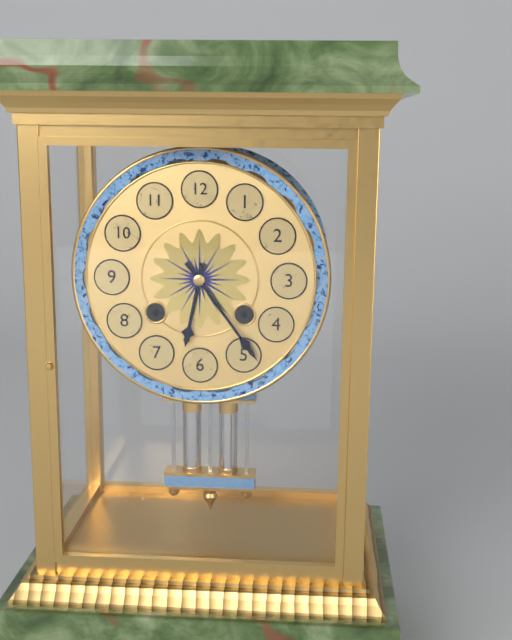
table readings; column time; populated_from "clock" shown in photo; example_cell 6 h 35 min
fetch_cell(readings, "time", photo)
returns 6 h 24 min
